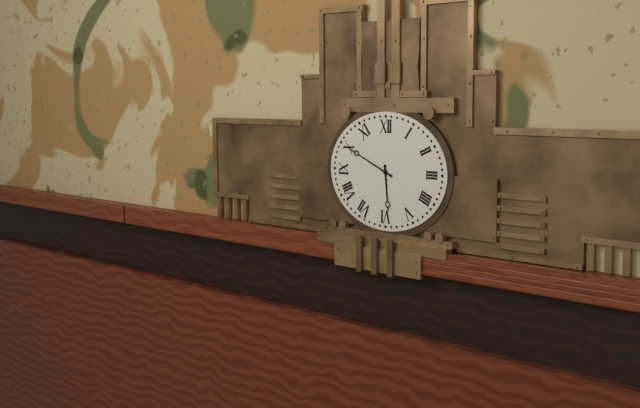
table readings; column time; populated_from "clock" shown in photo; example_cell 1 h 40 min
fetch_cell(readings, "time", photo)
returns 5 h 49 min
